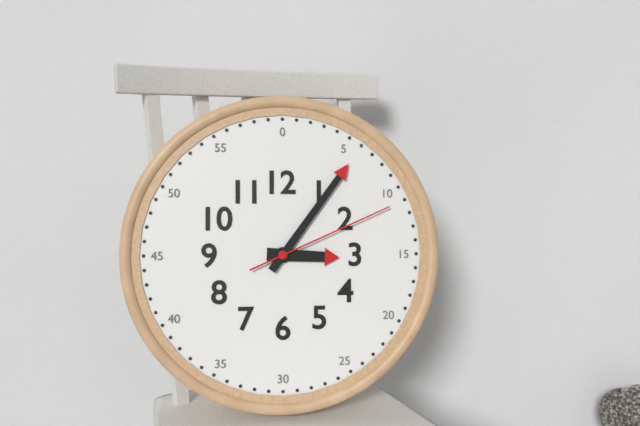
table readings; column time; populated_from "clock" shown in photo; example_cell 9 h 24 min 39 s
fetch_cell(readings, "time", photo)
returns 3 h 06 min 11 s
